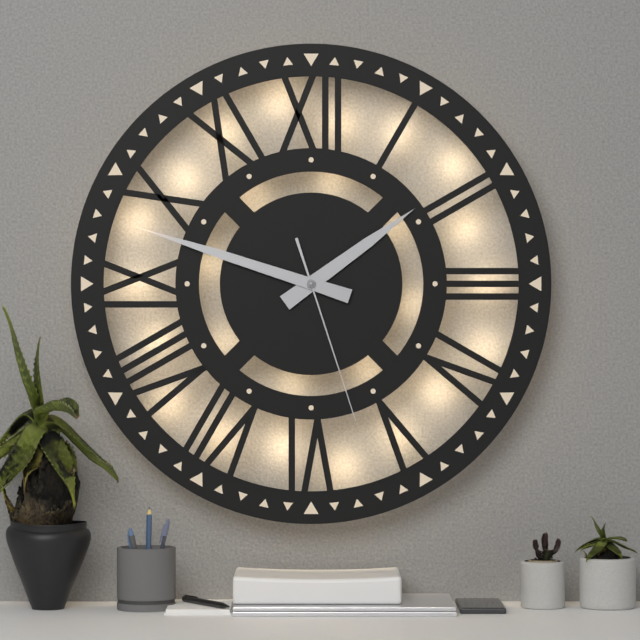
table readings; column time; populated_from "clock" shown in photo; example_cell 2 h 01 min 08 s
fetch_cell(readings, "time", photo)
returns 1 h 48 min 27 s
